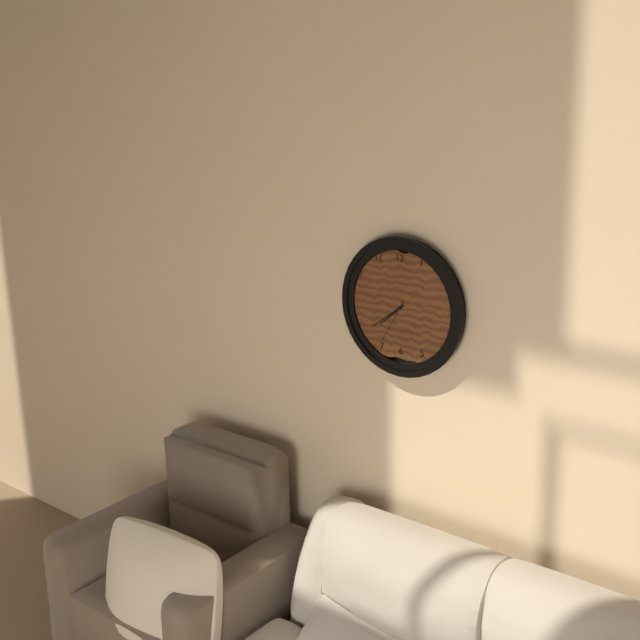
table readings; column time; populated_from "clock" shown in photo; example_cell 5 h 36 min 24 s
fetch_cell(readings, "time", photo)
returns 7 h 39 min 35 s
